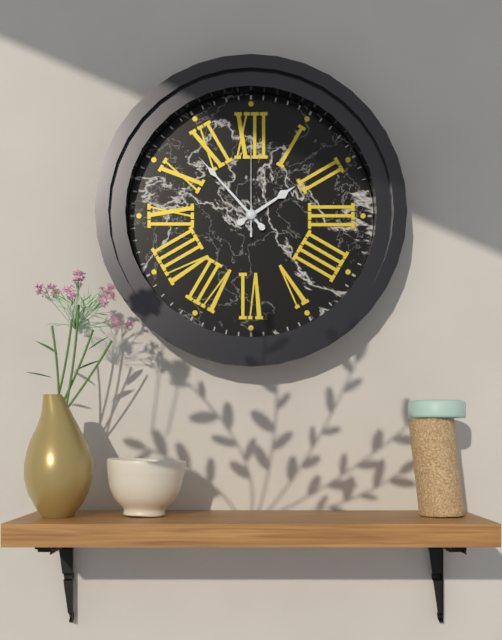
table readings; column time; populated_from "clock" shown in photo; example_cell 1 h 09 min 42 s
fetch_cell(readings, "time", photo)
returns 1 h 53 min 00 s
